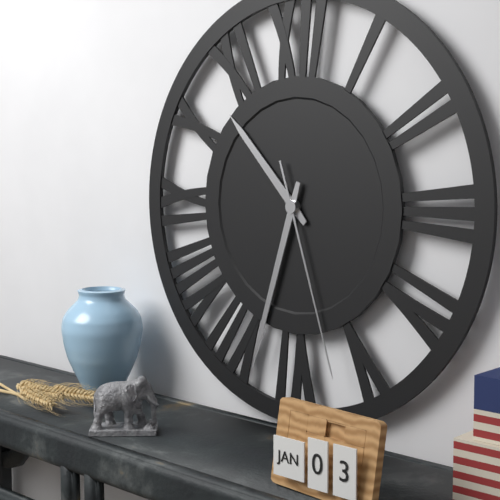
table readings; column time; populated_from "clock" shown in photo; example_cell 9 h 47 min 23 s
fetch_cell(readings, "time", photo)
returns 10 h 33 min 27 s
